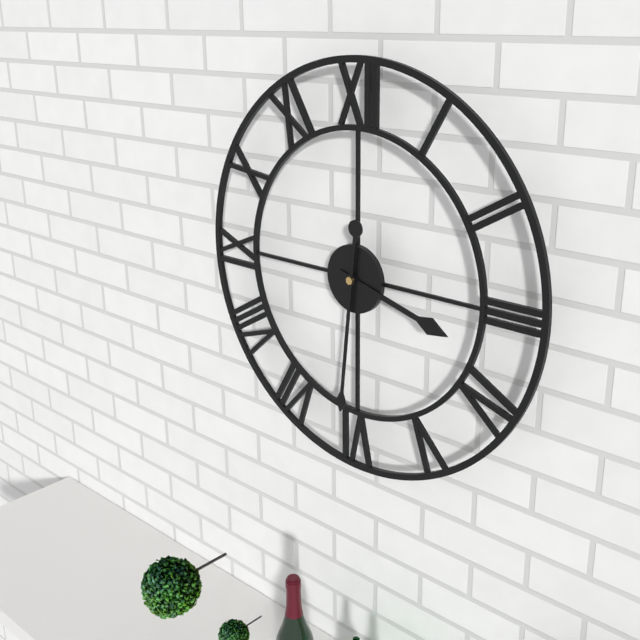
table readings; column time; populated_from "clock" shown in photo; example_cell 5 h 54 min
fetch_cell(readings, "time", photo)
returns 3 h 31 min
